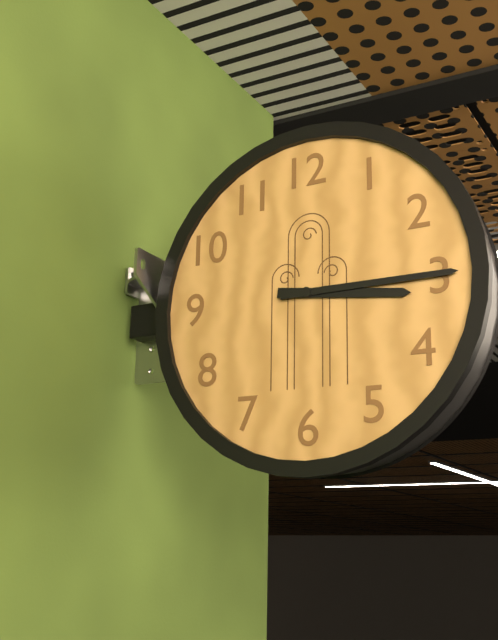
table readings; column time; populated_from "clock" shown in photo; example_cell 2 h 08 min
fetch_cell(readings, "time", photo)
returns 3 h 15 min
